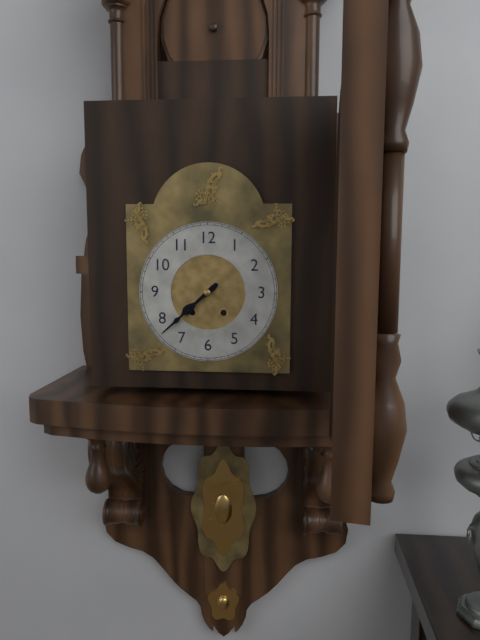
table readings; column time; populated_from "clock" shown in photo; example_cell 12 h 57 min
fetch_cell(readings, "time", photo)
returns 7 h 38 min
